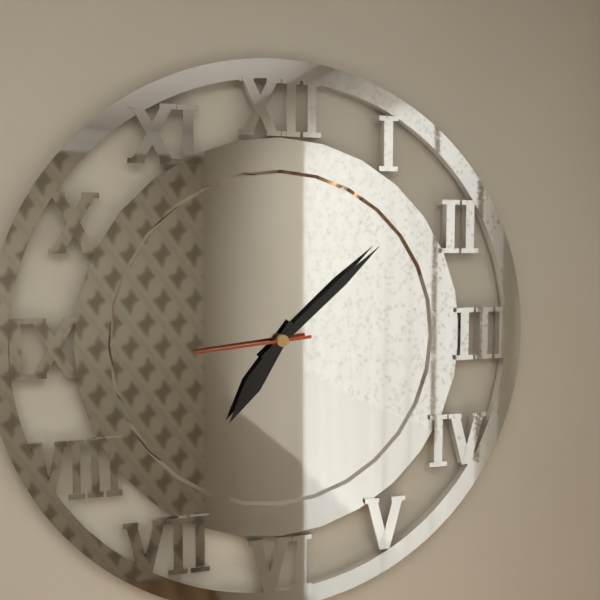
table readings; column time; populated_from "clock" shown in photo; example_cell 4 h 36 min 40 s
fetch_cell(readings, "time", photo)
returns 7 h 08 min 44 s
